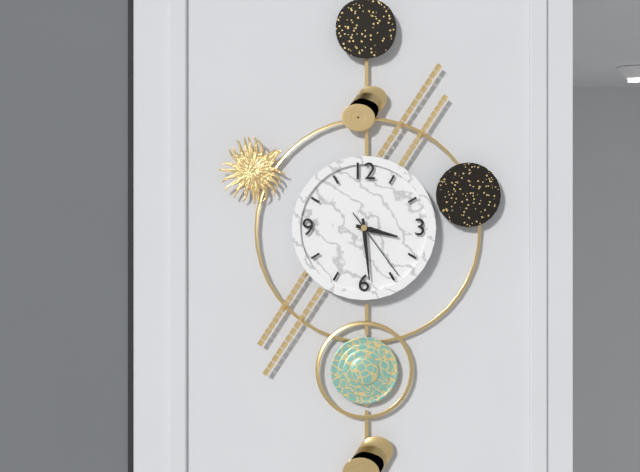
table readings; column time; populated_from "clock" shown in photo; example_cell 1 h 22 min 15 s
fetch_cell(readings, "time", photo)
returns 3 h 29 min 24 s
